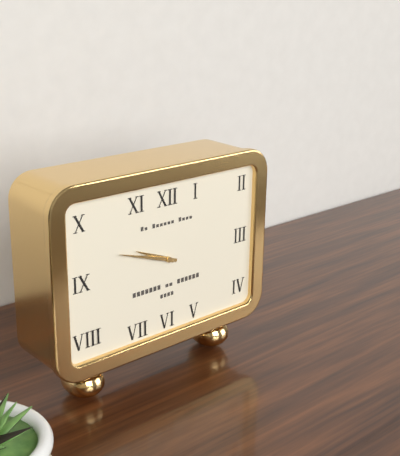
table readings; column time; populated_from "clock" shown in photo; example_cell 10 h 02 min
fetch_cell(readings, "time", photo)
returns 9 h 48 min
